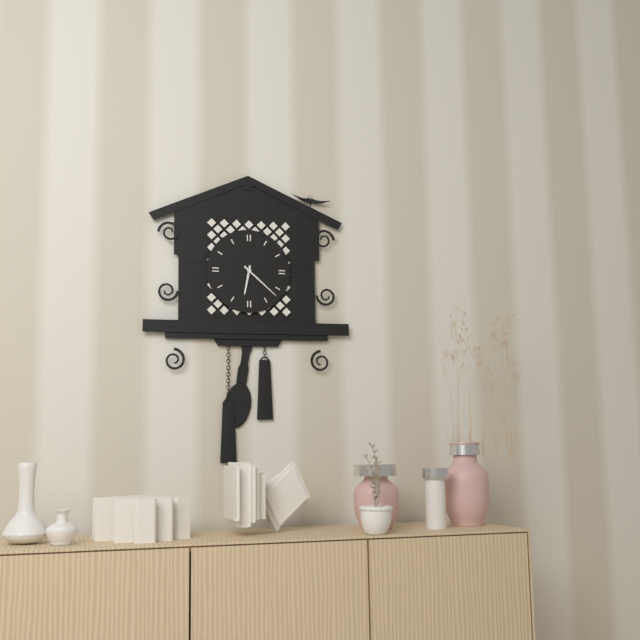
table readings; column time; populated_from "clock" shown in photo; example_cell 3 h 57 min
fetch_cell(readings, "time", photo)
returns 6 h 22 min
